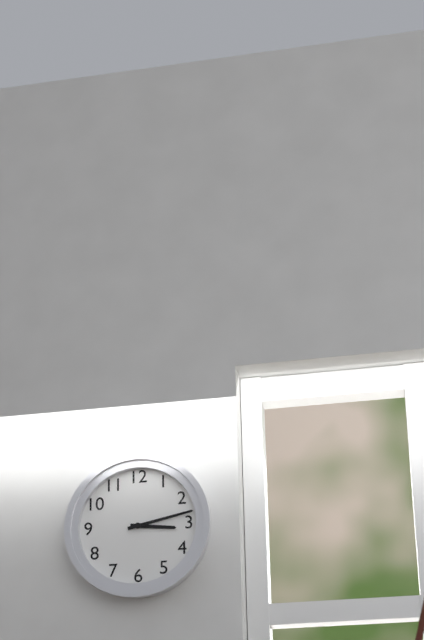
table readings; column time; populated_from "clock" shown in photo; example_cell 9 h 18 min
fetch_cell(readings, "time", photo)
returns 3 h 13 min
